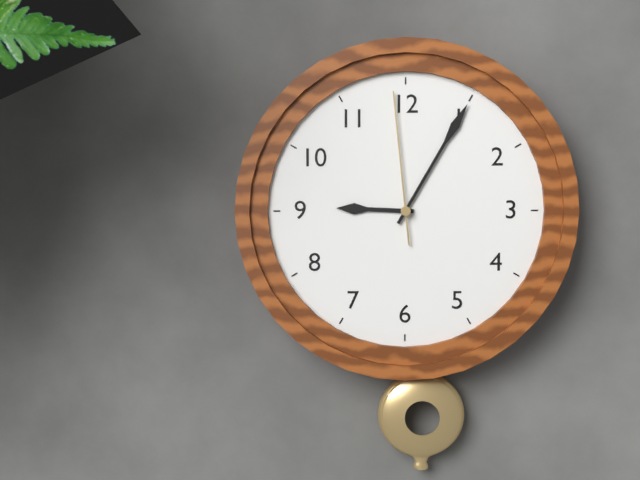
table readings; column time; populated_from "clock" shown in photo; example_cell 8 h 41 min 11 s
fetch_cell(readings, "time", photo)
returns 9 h 05 min 59 s
